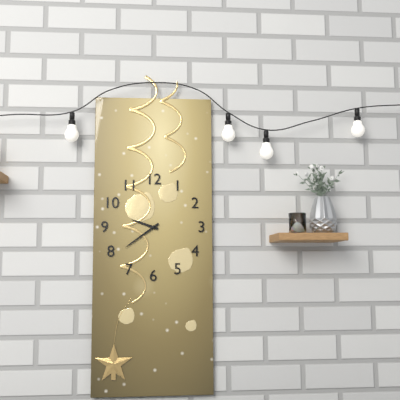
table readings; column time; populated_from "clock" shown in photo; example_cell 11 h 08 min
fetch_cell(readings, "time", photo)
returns 9 h 39 min
